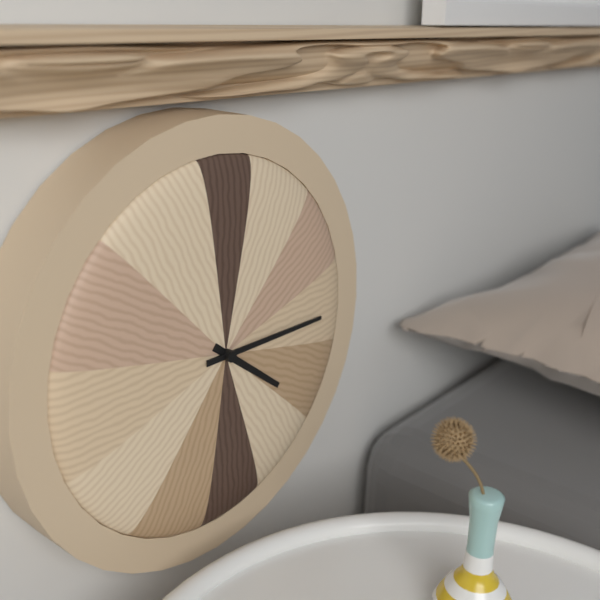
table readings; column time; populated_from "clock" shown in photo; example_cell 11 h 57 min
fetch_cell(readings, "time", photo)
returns 4 h 15 min
